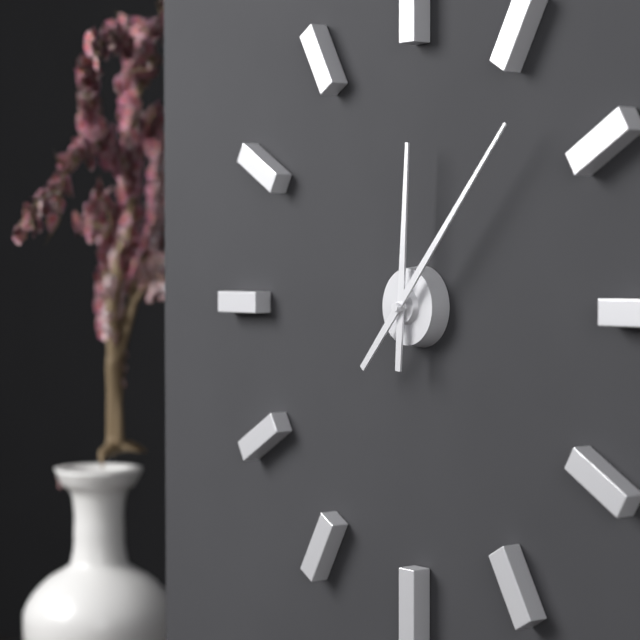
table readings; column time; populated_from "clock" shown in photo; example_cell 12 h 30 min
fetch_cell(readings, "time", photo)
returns 12 h 07 min
